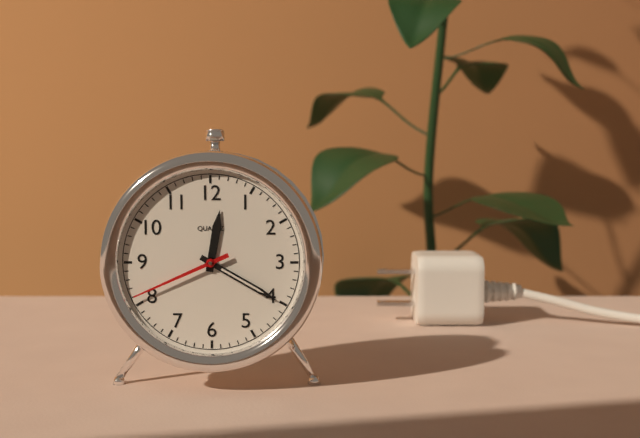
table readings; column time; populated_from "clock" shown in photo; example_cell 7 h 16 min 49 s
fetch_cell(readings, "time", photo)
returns 12 h 20 min 41 s
